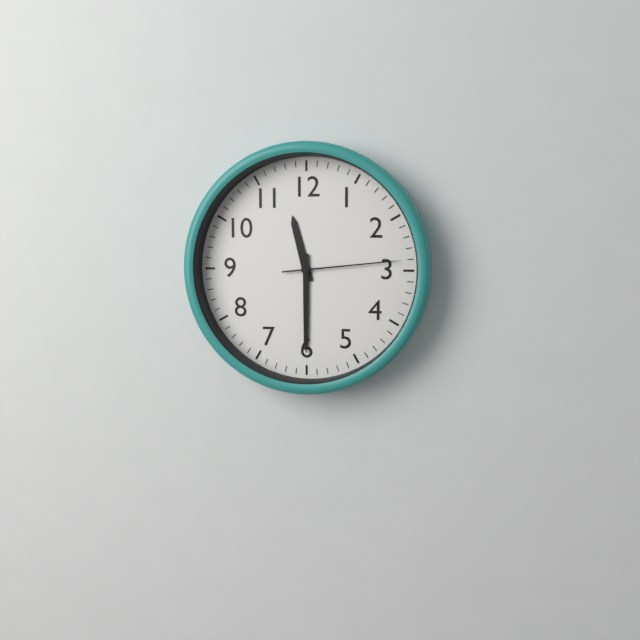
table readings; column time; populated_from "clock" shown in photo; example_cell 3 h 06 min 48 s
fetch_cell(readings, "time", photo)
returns 11 h 30 min 14 s
